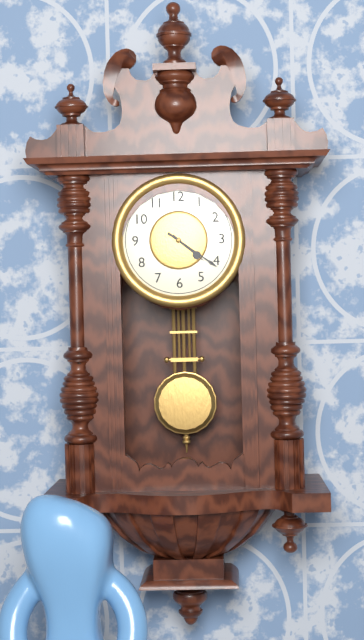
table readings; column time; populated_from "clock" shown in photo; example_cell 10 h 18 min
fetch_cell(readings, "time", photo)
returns 4 h 21 min
